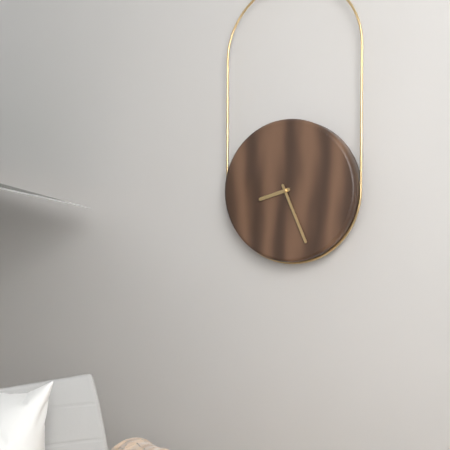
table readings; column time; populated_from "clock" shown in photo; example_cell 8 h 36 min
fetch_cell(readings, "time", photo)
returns 8 h 26 min
